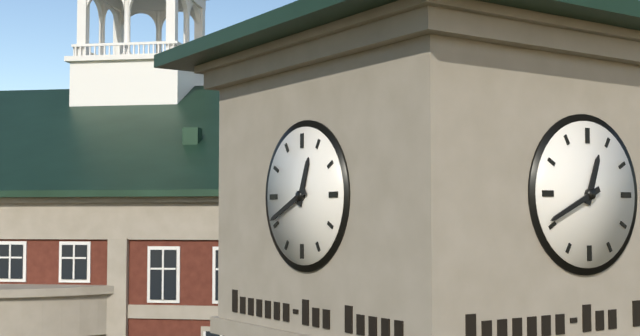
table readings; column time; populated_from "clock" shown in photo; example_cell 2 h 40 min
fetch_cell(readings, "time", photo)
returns 12 h 41 min
